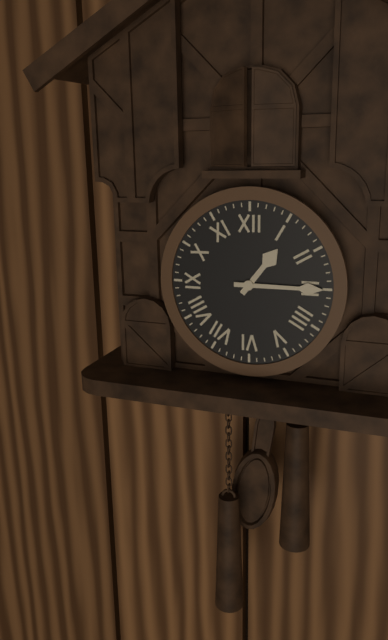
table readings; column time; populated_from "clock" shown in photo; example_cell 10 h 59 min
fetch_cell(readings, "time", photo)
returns 1 h 15 min
